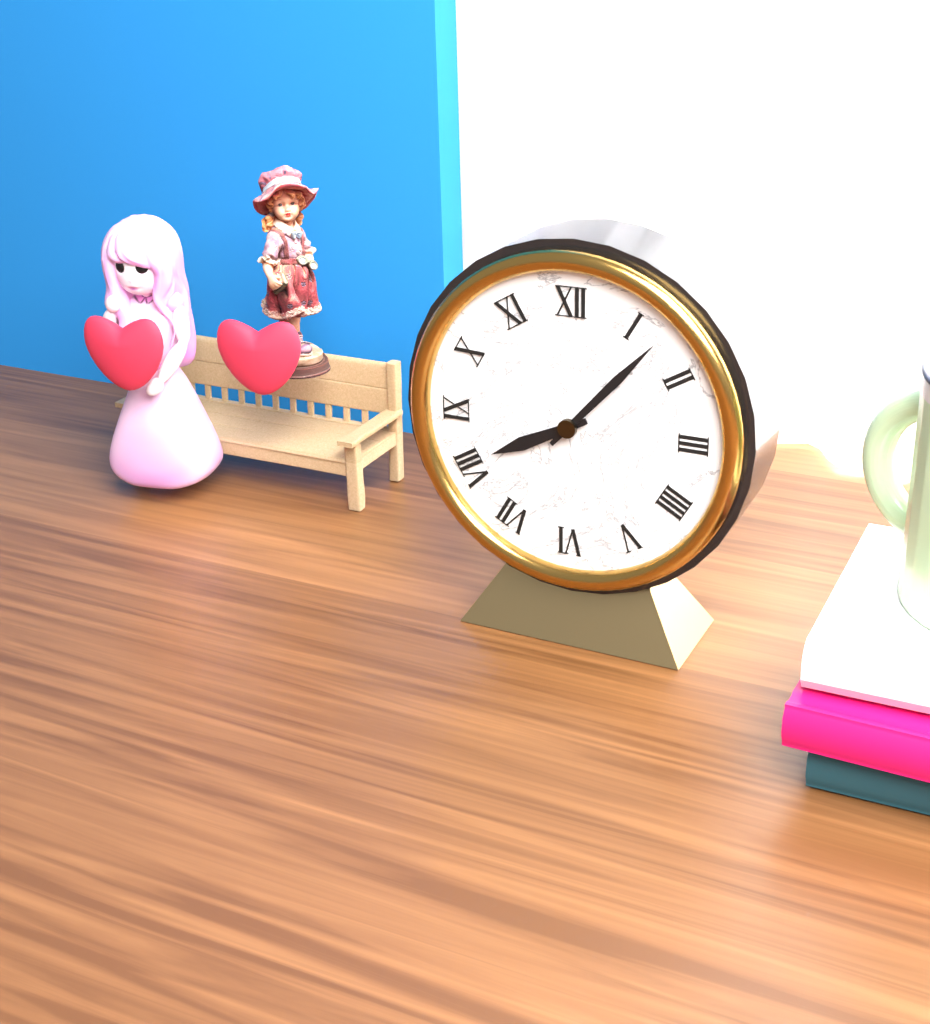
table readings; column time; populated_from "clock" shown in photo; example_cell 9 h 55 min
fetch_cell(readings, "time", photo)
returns 8 h 07 min
